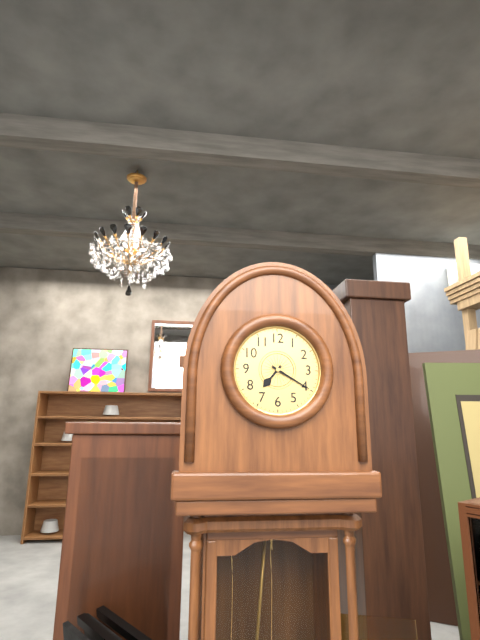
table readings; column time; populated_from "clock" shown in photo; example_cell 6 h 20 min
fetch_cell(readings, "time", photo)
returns 7 h 20 min
